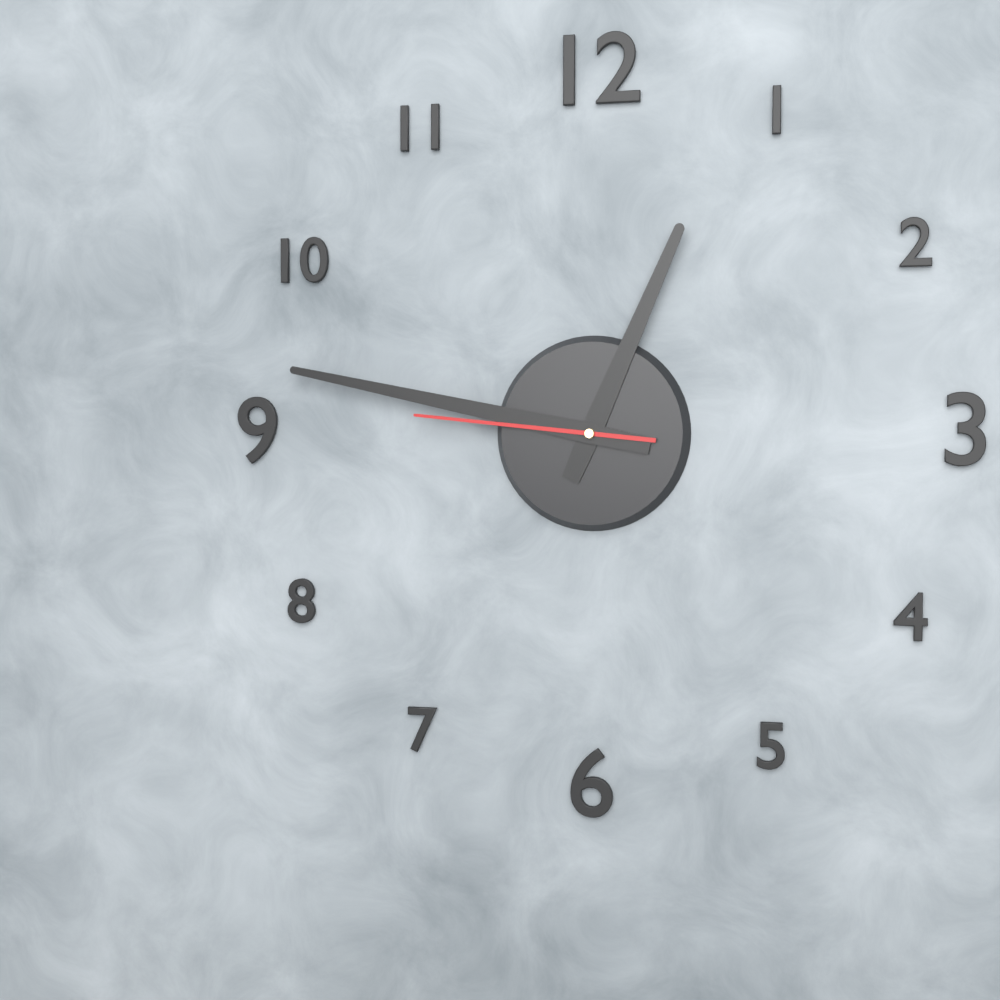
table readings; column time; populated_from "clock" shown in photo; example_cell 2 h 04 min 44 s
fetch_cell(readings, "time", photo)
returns 12 h 47 min 46 s
